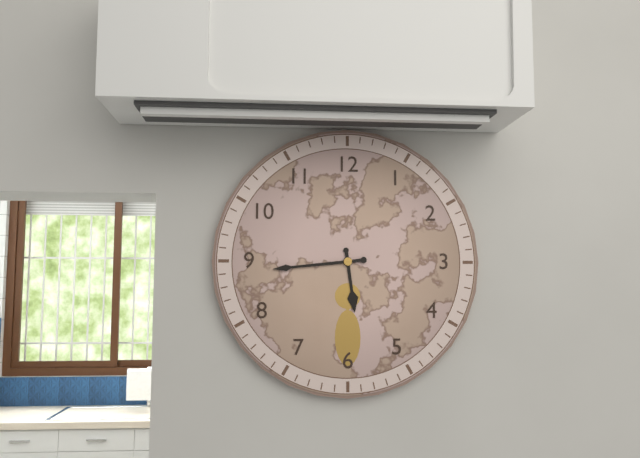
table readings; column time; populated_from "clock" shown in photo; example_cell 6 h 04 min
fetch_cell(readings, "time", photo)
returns 5 h 44 min
